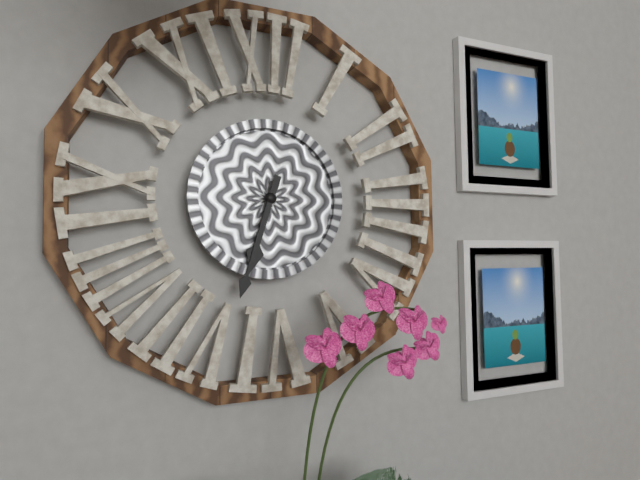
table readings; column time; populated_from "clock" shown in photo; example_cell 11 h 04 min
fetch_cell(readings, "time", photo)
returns 6 h 33 min
